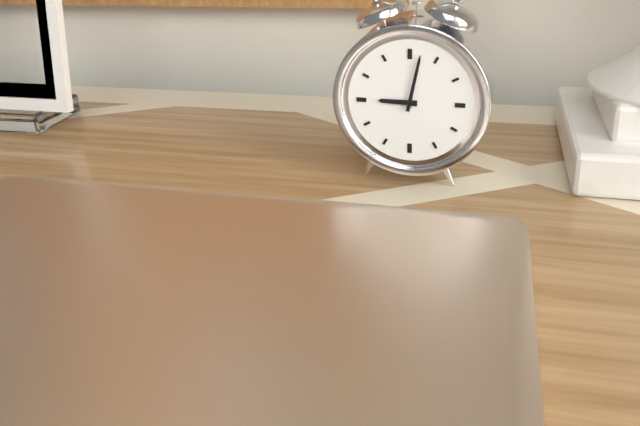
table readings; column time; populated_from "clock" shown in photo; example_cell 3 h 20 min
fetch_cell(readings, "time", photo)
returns 9 h 02 min
